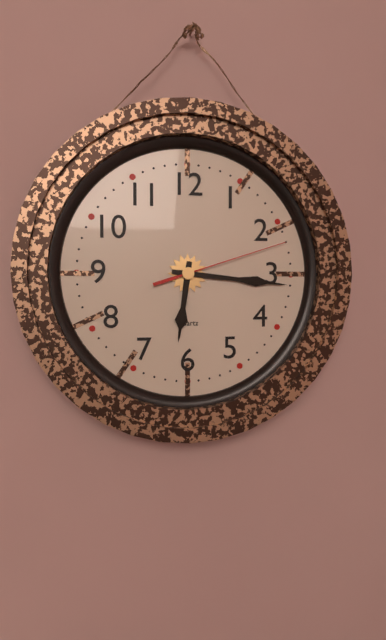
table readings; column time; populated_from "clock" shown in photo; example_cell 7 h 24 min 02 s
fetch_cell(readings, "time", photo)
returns 6 h 16 min 12 s
